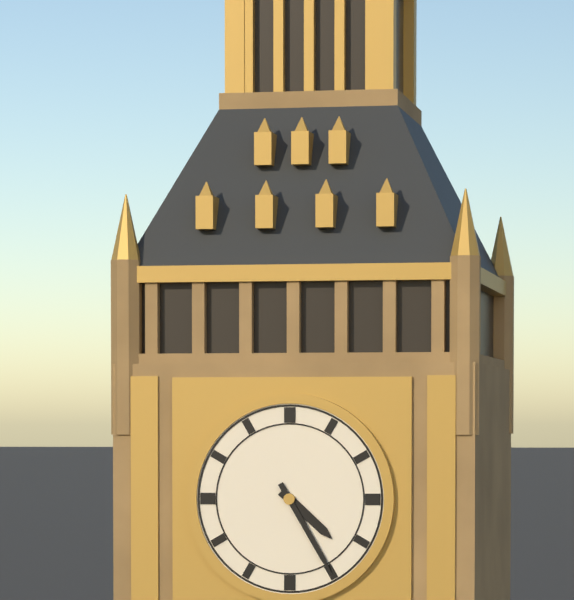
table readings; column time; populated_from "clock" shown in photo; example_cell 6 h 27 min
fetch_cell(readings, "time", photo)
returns 4 h 25 min
